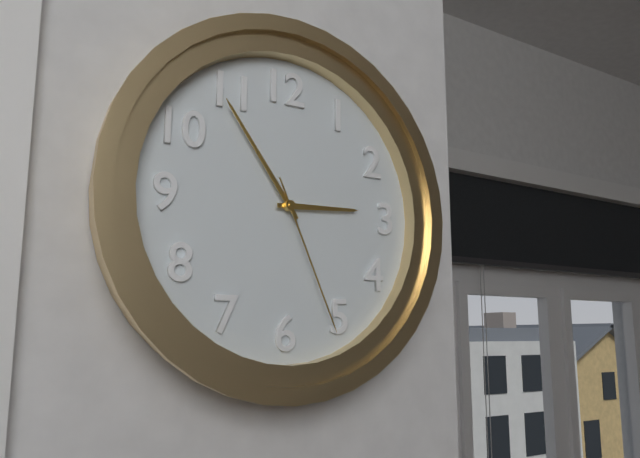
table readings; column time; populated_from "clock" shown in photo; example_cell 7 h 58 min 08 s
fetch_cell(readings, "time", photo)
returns 2 h 54 min 26 s
